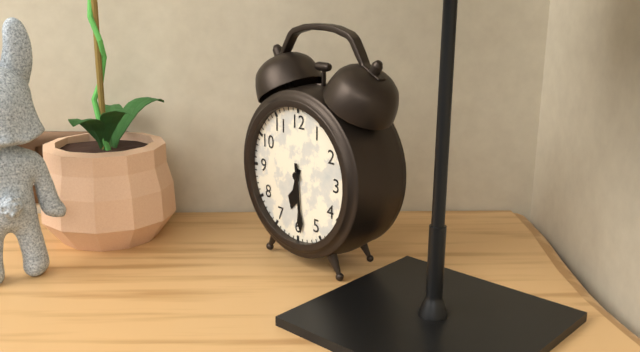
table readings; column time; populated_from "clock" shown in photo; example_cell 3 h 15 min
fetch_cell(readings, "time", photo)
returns 6 h 29 min
